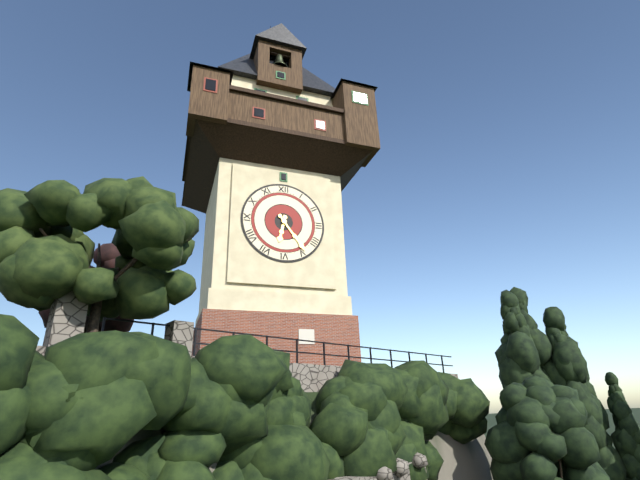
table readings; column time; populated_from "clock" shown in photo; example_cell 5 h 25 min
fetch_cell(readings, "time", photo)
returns 6 h 24 min
